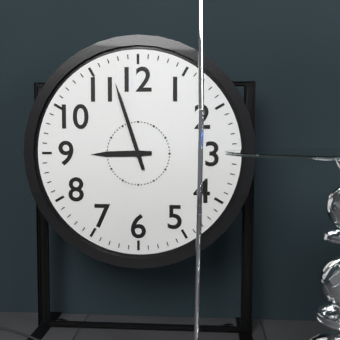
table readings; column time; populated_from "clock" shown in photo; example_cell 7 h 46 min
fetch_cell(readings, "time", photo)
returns 8 h 57 min
